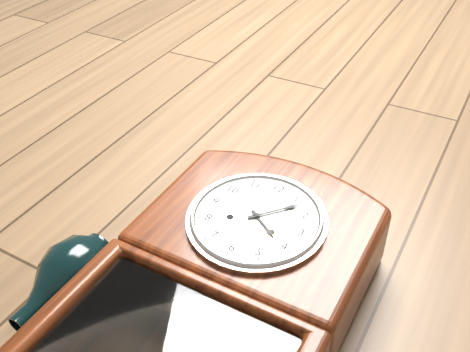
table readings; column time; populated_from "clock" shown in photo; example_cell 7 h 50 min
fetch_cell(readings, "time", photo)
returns 4 h 07 min
